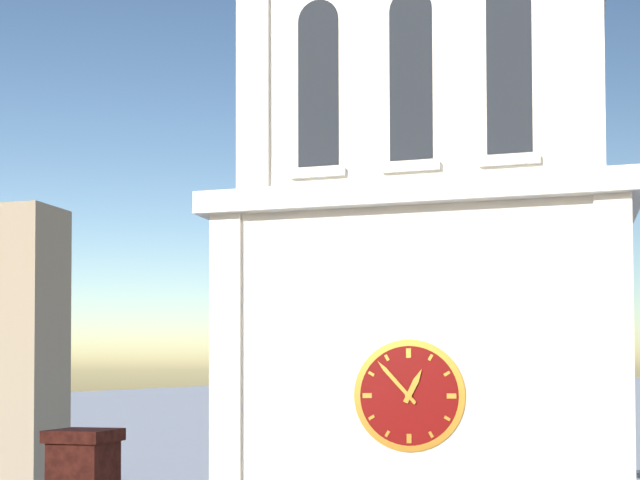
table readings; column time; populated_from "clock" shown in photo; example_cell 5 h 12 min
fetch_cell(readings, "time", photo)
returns 12 h 53 min
